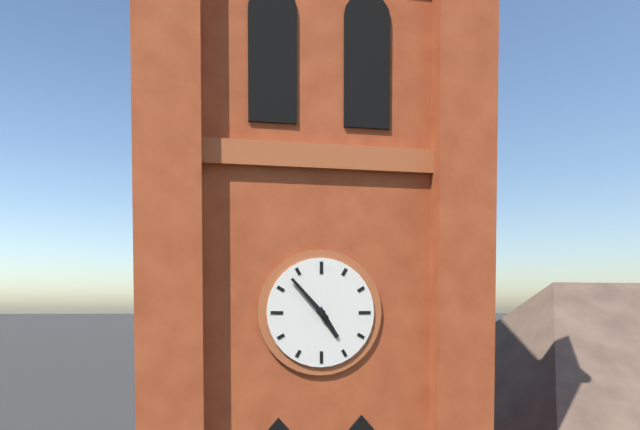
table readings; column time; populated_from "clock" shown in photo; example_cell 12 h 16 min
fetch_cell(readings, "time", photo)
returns 4 h 53 min
